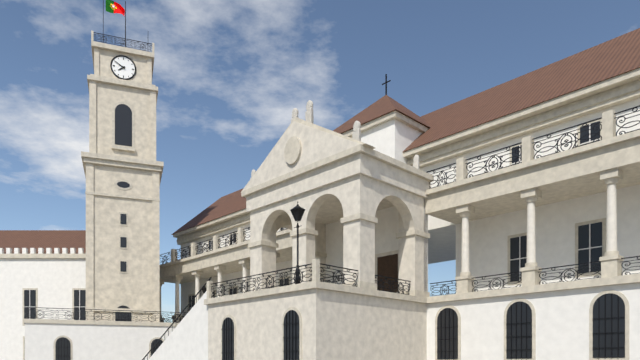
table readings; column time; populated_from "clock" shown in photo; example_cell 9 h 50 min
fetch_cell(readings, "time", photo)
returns 7 h 50 min
